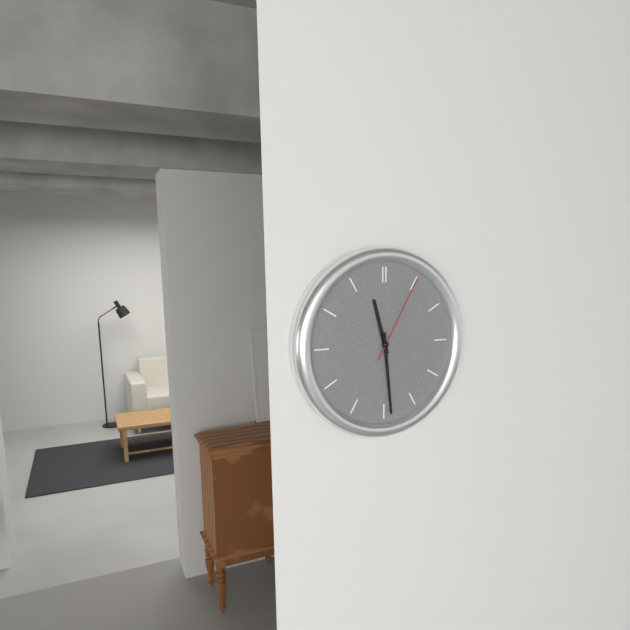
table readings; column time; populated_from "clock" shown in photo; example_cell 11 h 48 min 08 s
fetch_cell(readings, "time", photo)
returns 11 h 29 min 05 s
